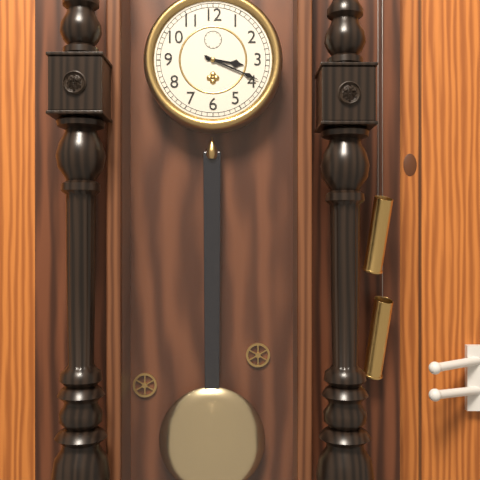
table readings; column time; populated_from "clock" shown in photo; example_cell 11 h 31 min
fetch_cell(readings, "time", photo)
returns 3 h 19 min
